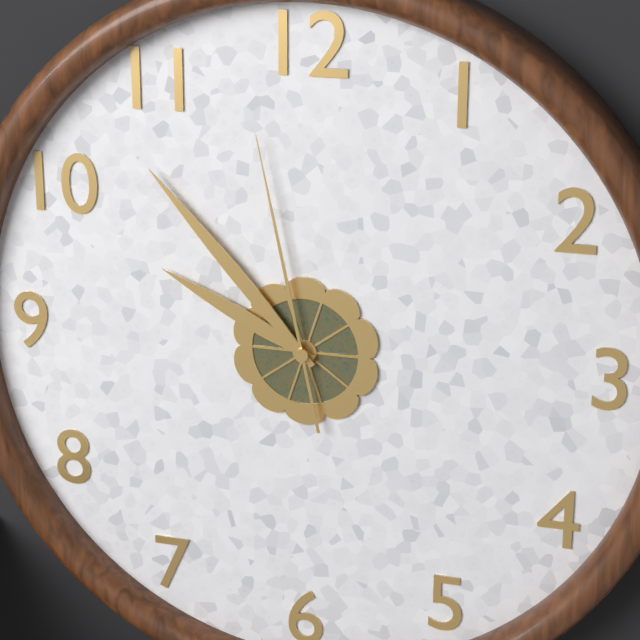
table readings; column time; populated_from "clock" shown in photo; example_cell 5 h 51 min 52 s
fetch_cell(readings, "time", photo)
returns 9 h 53 min 58 s
